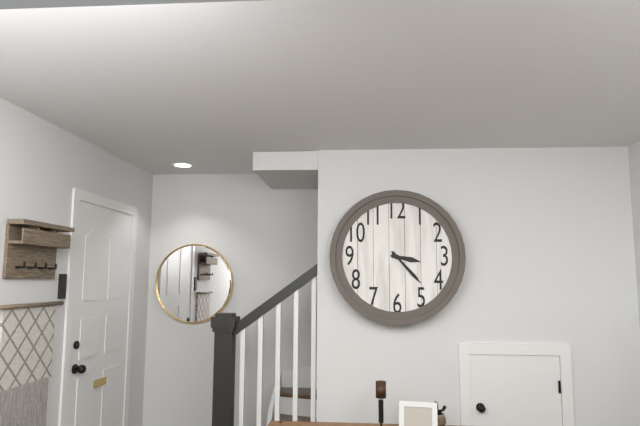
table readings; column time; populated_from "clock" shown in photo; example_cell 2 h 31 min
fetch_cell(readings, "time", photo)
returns 3 h 23 min
